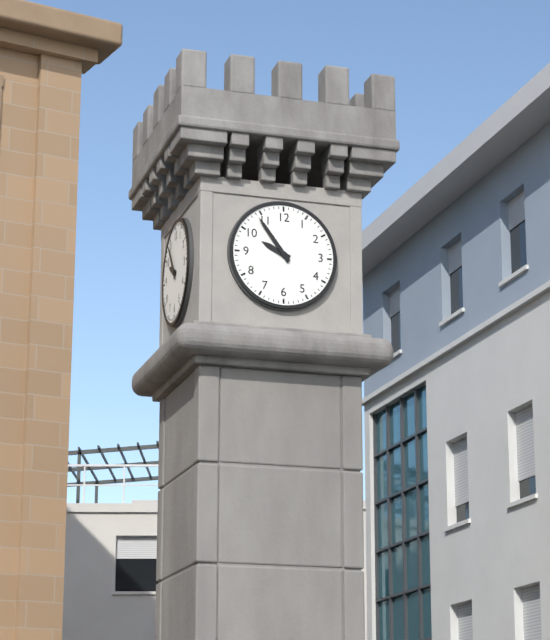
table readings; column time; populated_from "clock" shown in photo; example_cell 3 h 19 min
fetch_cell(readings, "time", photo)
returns 9 h 54 min
